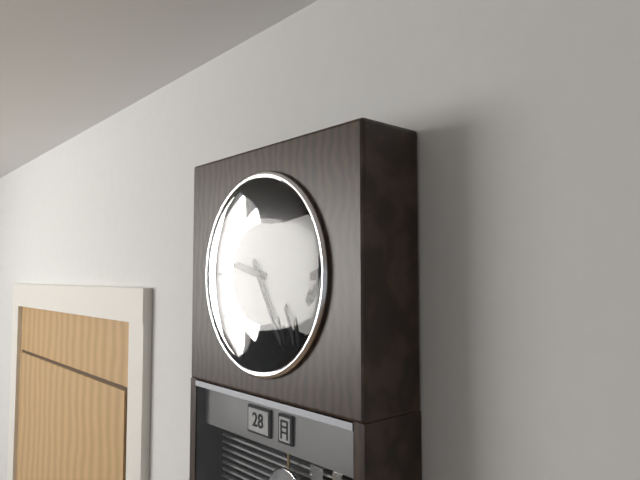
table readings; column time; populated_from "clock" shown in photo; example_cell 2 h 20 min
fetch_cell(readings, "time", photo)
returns 9 h 25 min
